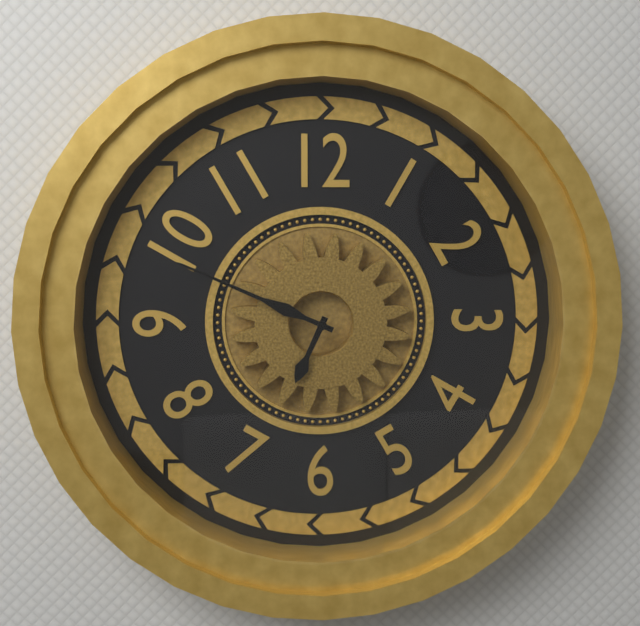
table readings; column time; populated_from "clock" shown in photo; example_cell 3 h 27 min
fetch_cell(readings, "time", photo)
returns 6 h 49 min
